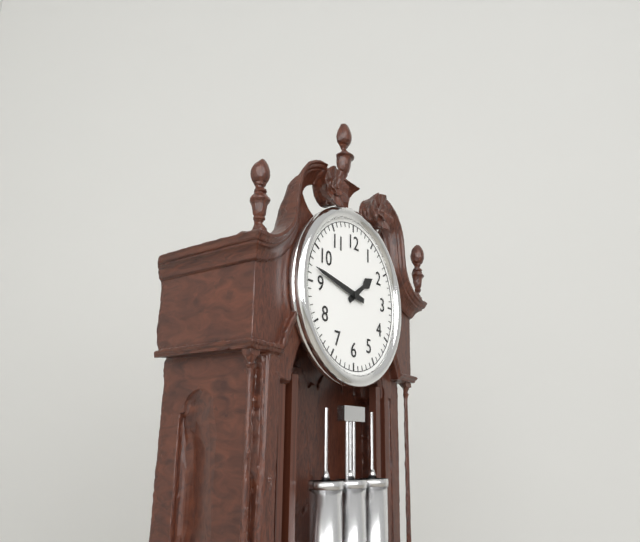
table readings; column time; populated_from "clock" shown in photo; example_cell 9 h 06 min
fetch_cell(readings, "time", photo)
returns 1 h 47 min
